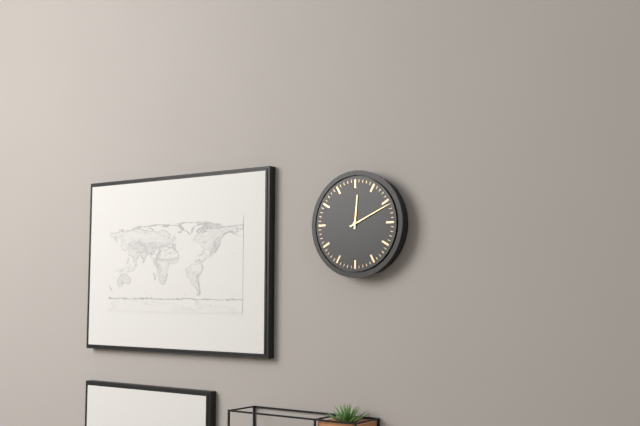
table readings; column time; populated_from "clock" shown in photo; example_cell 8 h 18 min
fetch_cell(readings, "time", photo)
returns 12 h 11 min
